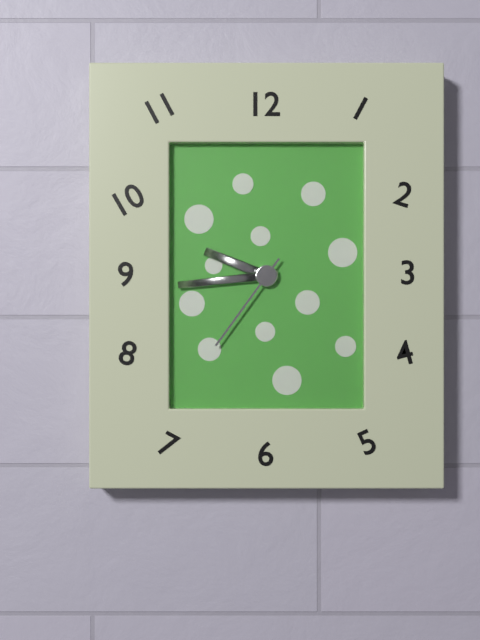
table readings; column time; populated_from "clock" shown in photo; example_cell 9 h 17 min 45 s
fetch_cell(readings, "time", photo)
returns 9 h 44 min 36 s
